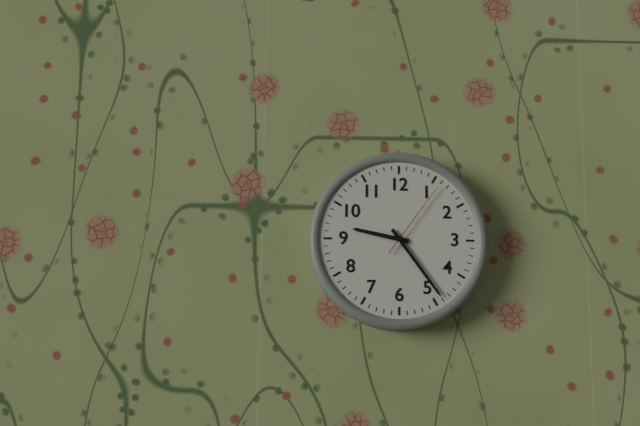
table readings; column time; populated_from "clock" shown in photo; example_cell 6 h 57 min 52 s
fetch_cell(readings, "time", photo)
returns 9 h 24 min 06 s
